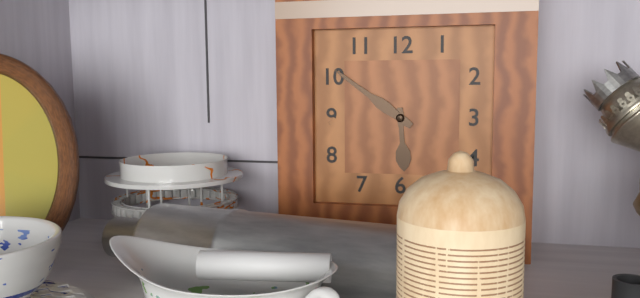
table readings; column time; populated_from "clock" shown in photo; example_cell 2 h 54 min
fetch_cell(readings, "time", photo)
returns 5 h 51 min
